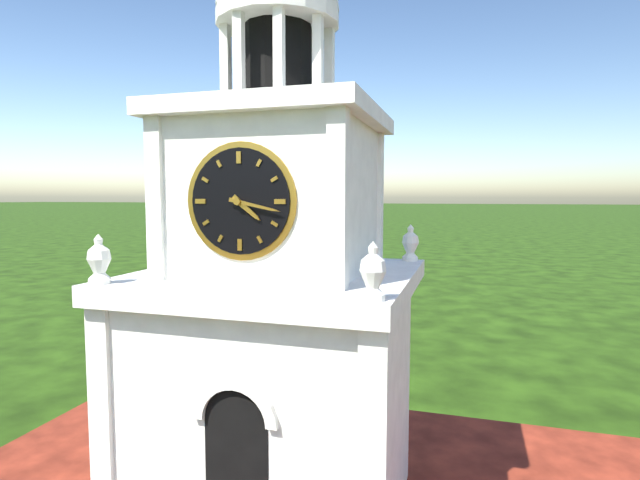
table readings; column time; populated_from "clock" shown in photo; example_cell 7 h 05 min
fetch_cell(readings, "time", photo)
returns 4 h 17 min
